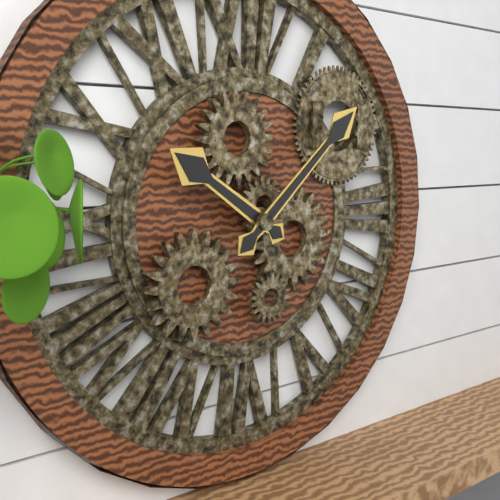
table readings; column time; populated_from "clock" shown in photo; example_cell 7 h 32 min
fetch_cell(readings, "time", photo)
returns 10 h 08 min
